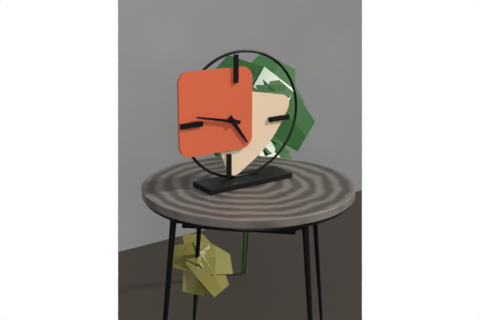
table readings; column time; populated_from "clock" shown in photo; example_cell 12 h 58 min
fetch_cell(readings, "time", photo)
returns 4 h 47 min
